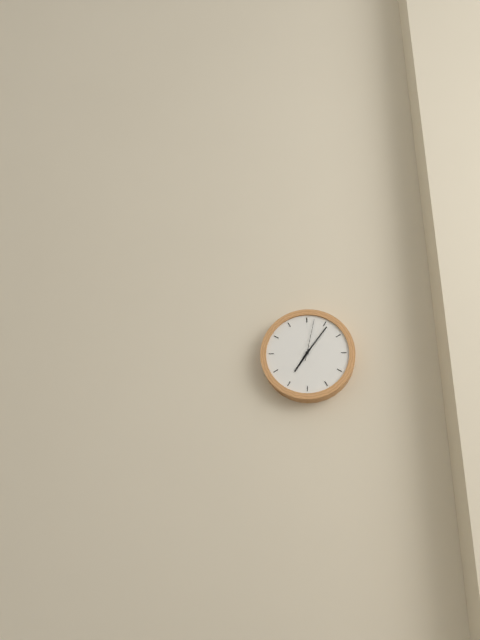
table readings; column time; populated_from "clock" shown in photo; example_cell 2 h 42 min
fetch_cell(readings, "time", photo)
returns 7 h 06 min
